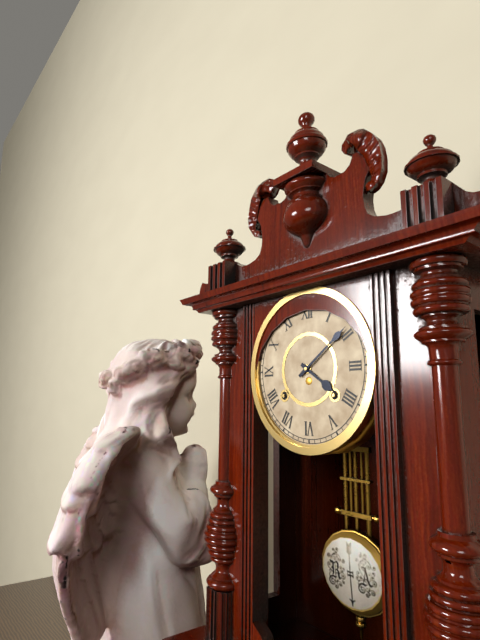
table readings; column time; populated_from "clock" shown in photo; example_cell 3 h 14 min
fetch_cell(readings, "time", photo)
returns 4 h 09 min
